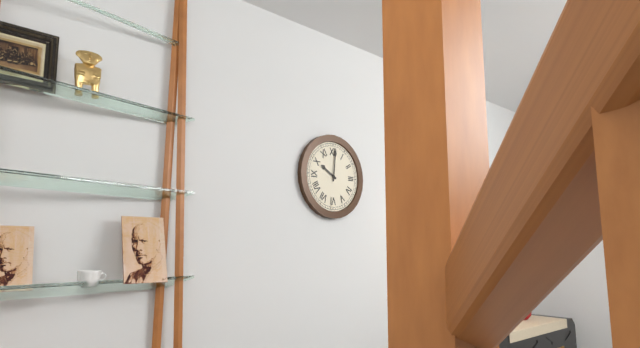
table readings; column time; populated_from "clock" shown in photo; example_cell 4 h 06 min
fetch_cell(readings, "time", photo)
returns 10 h 01 min
